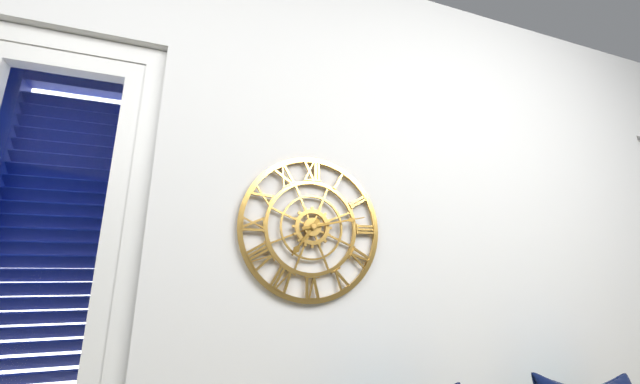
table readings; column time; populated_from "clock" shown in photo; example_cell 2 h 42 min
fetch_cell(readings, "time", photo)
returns 7 h 13 min
